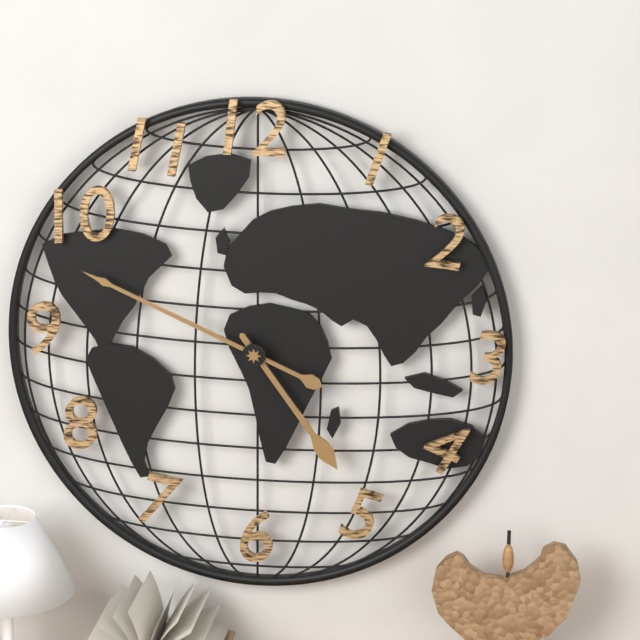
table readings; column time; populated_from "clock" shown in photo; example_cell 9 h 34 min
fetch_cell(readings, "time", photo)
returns 4 h 49 min
